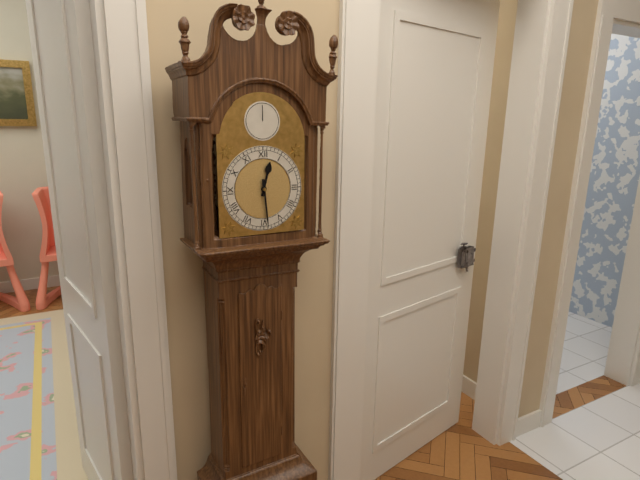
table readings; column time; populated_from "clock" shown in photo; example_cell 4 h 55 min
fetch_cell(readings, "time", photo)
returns 12 h 29 min
